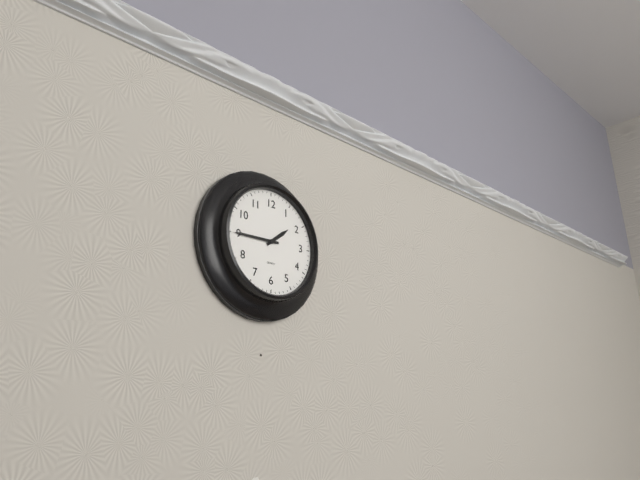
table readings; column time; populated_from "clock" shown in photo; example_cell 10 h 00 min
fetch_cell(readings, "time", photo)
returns 1 h 45 min
